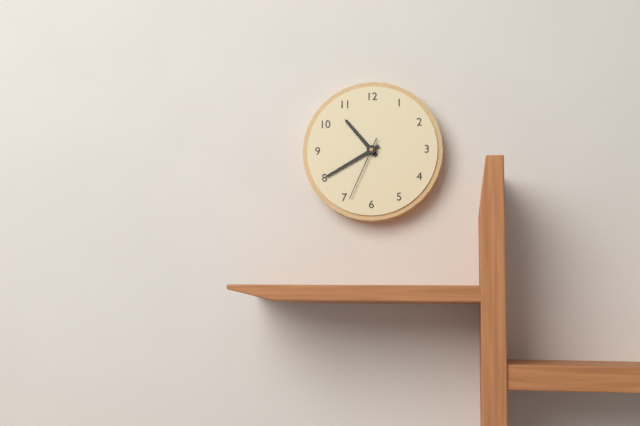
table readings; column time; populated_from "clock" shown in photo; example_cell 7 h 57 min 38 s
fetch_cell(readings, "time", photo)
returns 10 h 40 min 34 s
